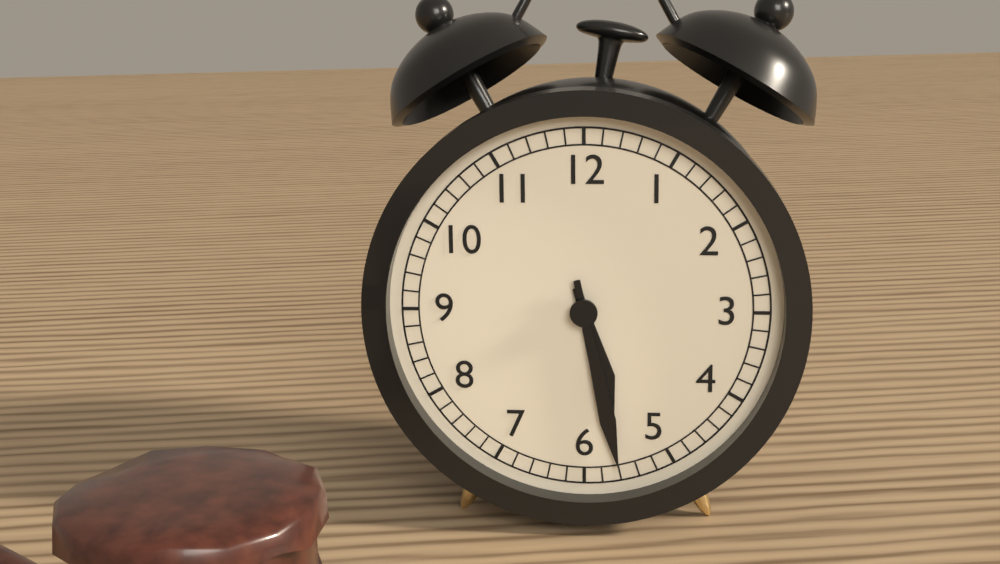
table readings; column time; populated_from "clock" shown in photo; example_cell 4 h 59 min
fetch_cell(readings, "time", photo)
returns 5 h 28 min
